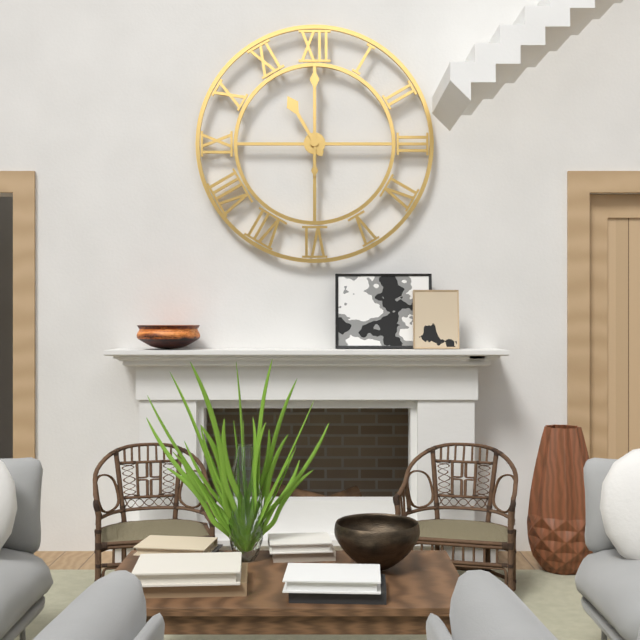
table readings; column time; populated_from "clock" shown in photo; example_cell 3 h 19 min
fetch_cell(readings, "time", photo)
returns 11 h 00 min
